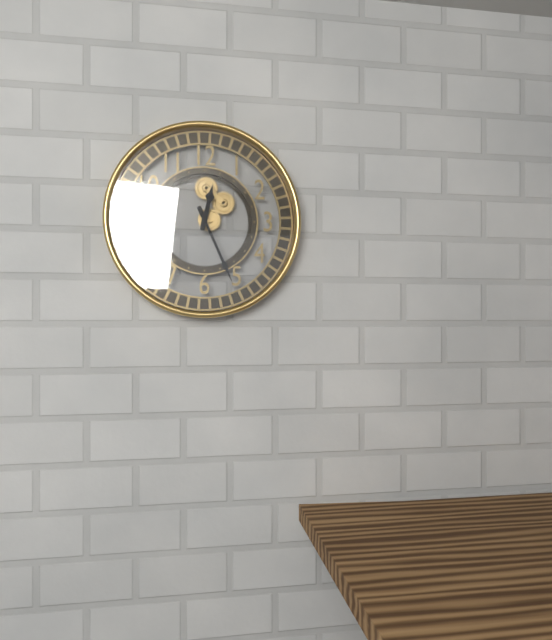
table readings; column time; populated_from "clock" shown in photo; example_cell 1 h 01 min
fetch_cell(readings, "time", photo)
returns 12 h 26 min
